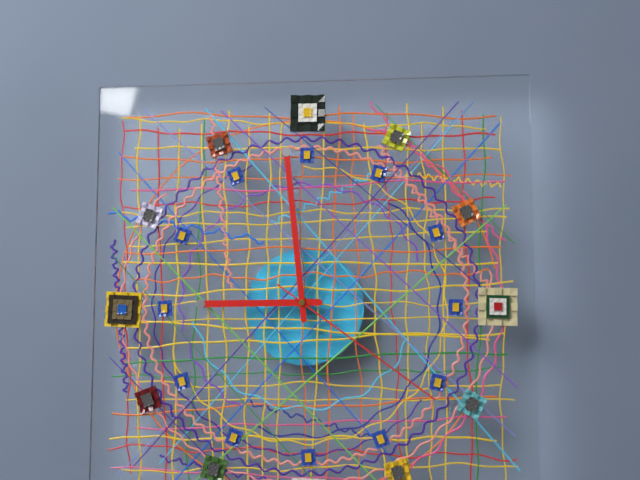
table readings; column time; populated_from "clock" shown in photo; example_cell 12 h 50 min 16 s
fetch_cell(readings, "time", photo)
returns 8 h 59 min 21 s
